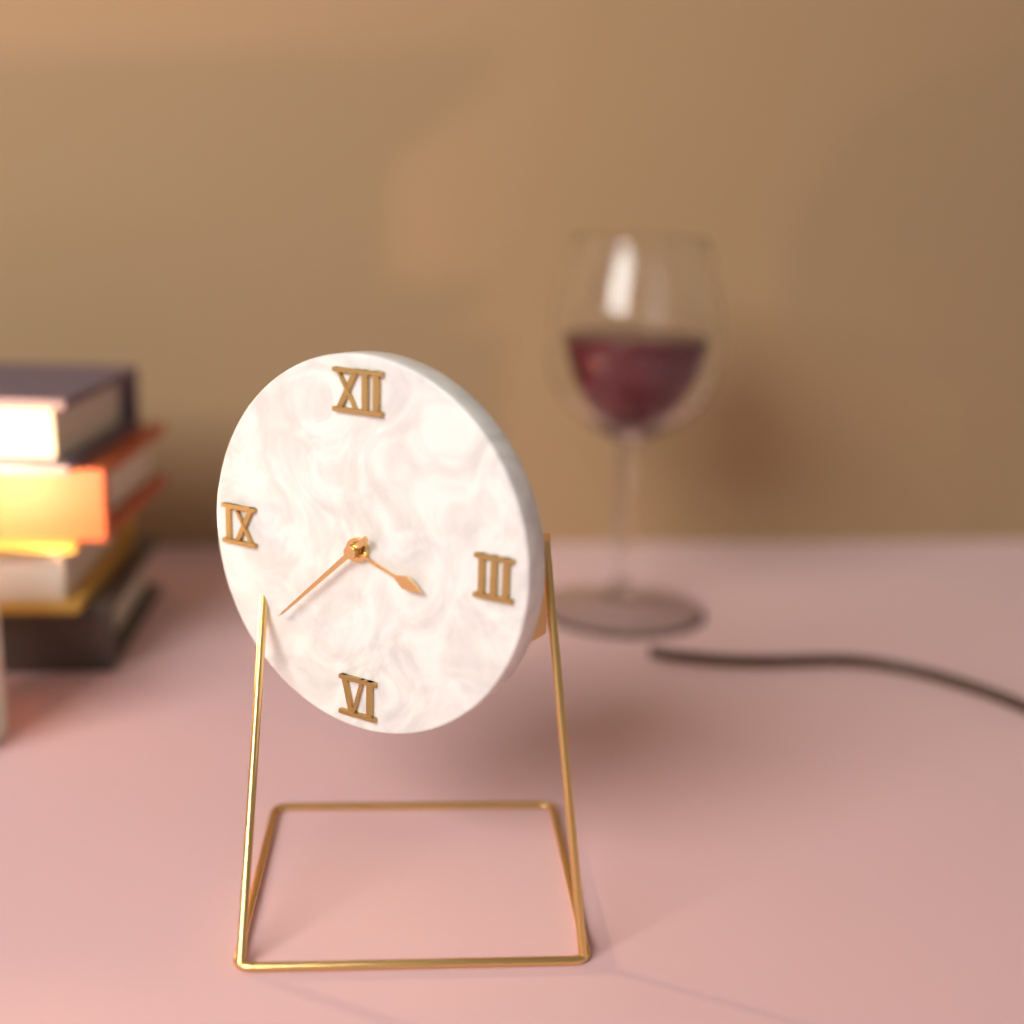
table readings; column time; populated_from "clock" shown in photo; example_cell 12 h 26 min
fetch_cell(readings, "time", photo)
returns 3 h 38 min
